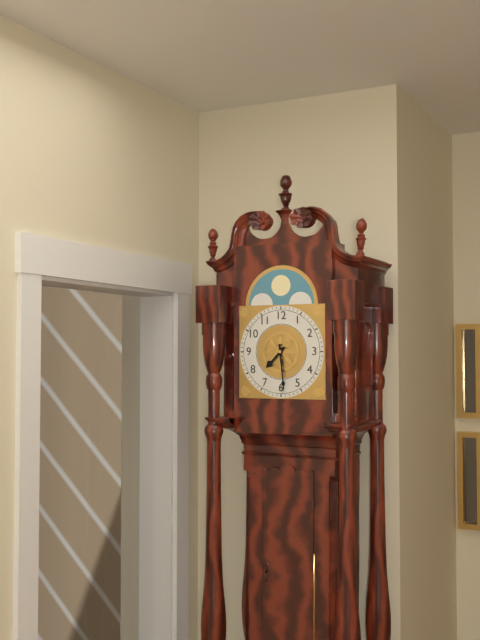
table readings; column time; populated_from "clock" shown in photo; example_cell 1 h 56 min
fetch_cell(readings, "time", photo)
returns 7 h 29 min
